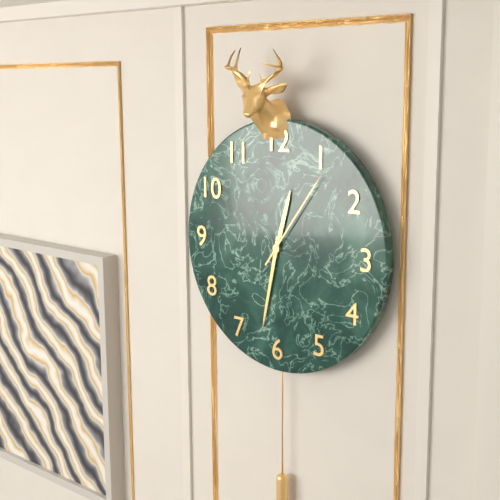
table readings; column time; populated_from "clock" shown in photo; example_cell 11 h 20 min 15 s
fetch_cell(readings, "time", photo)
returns 12 h 32 min 06 s
